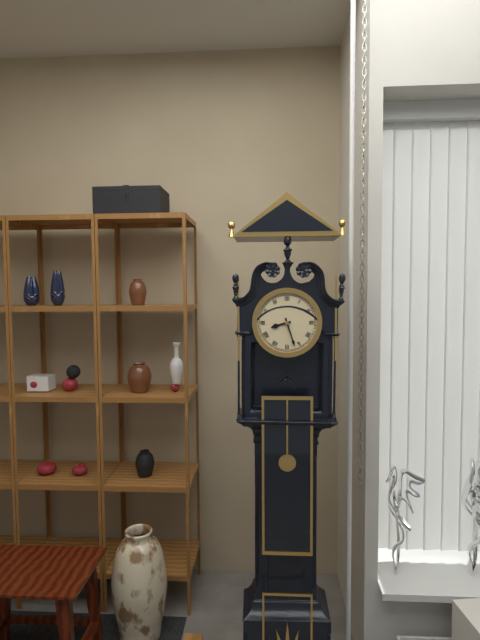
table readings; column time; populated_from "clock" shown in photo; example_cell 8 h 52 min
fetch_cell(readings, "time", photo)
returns 8 h 27 min
